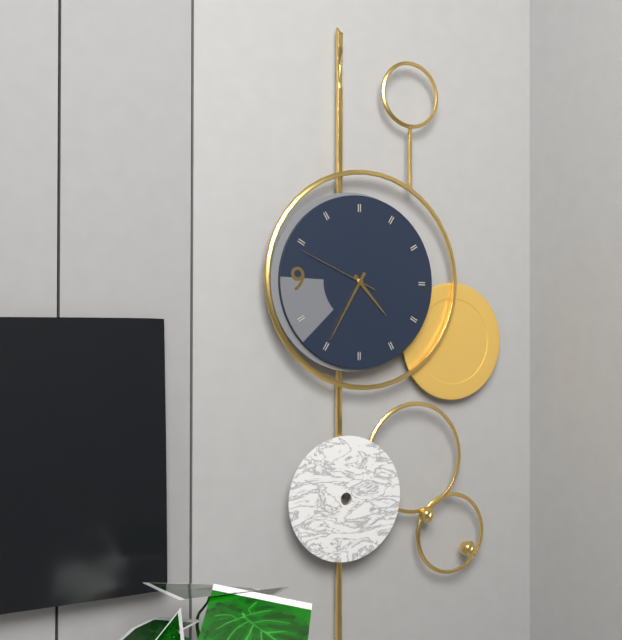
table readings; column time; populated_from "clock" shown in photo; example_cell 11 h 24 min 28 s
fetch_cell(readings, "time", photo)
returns 4 h 35 min 49 s
